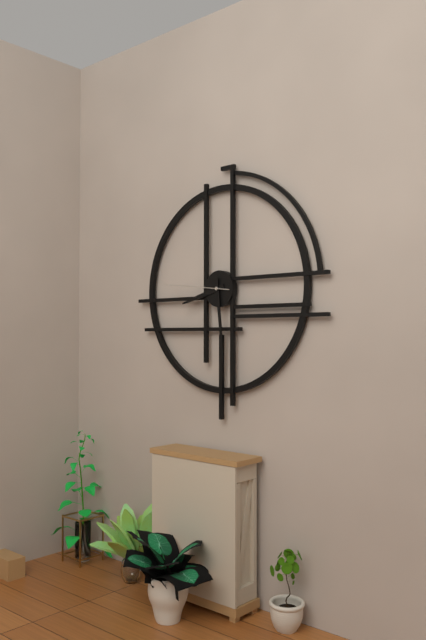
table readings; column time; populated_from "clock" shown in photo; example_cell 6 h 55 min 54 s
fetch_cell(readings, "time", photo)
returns 8 h 29 min 46 s
